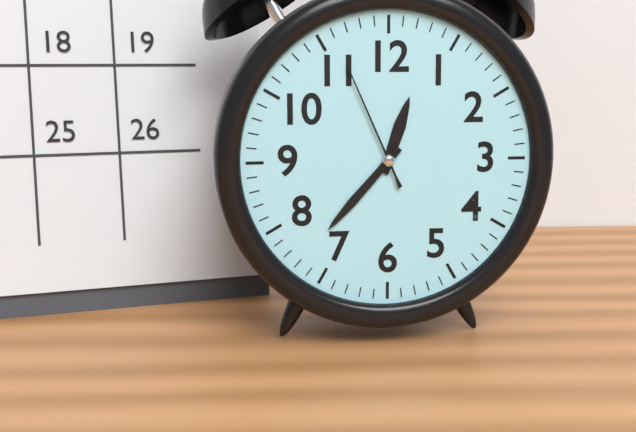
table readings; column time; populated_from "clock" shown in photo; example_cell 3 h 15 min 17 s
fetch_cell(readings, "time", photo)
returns 12 h 37 min 56 s
